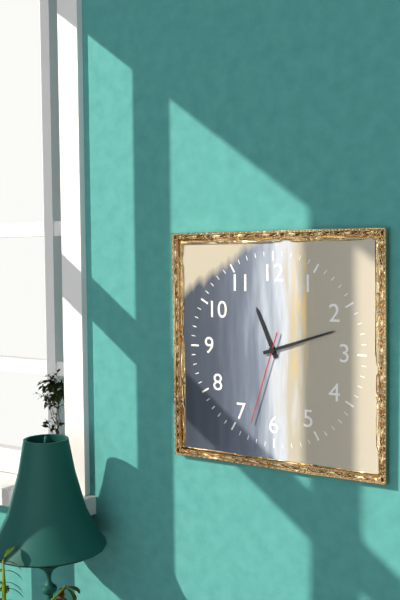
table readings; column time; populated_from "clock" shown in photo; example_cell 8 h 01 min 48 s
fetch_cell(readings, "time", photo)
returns 11 h 12 min 33 s
